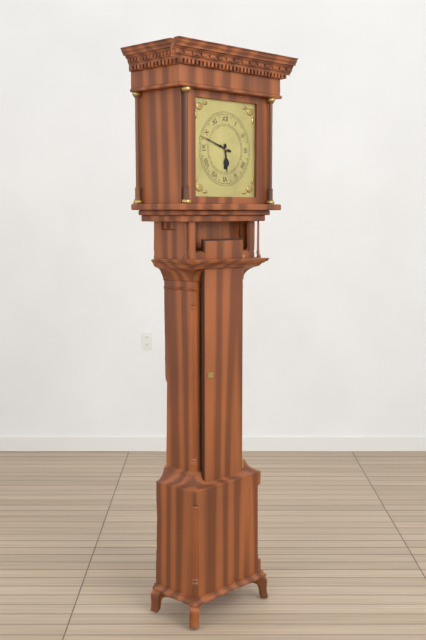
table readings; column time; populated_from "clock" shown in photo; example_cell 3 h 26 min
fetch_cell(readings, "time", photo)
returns 5 h 48 min
